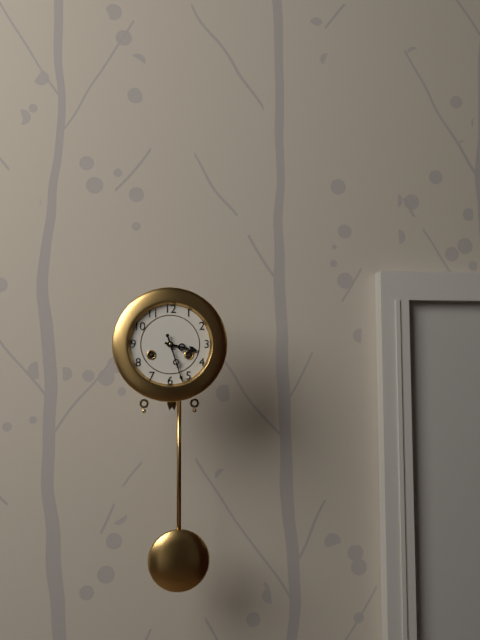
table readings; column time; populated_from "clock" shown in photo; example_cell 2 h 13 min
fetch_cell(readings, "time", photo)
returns 3 h 27 min
